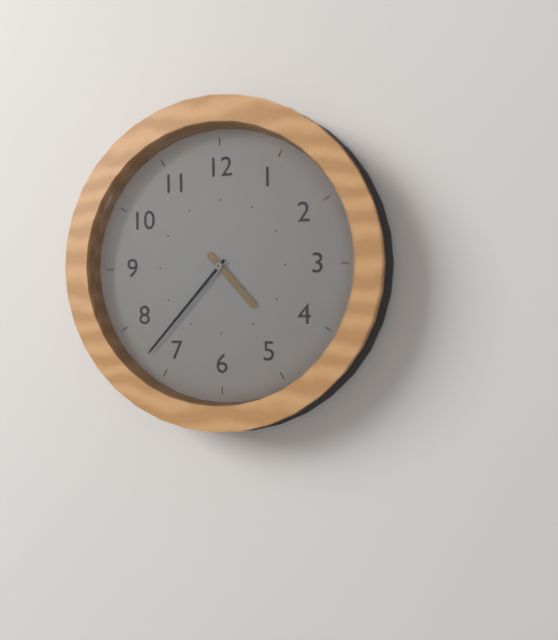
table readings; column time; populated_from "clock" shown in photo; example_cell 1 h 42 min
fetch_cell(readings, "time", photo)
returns 4 h 37 min
